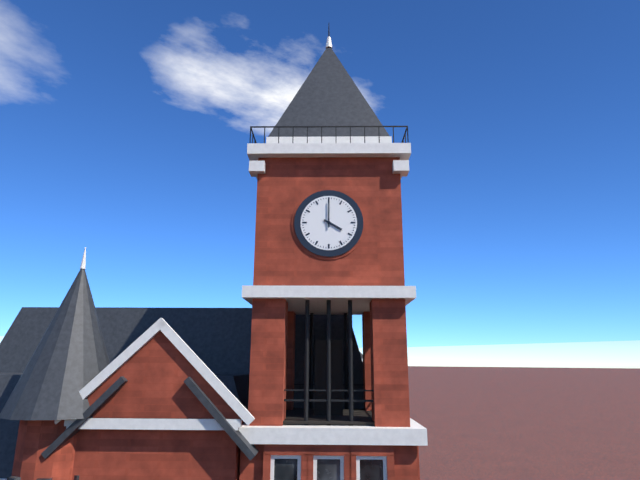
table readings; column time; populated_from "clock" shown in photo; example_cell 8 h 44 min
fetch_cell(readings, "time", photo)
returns 4 h 00 min
